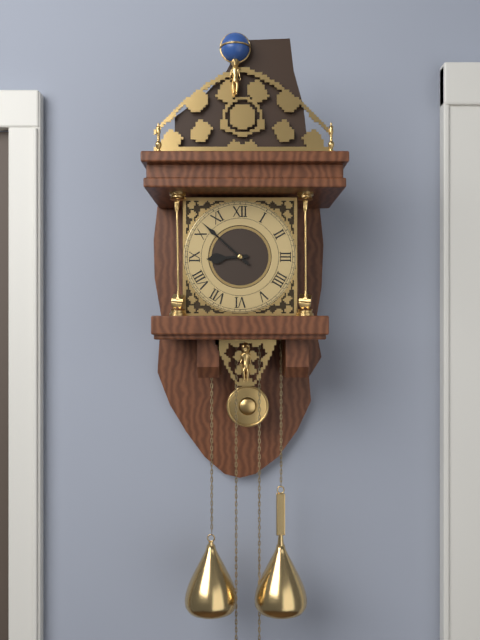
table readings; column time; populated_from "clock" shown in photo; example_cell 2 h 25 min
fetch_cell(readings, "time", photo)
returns 8 h 52 min
